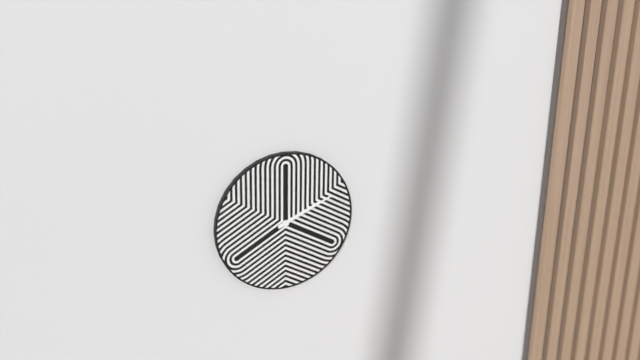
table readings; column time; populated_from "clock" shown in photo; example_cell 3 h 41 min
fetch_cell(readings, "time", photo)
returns 2 h 11 min
